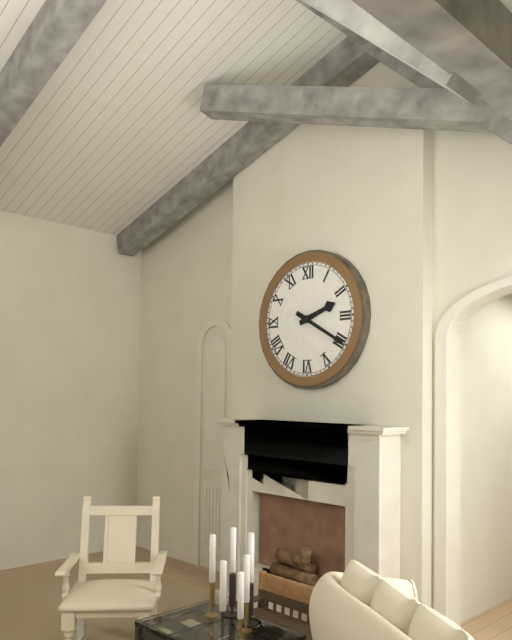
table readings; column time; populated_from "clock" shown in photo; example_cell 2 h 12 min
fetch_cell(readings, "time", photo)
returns 2 h 20 min
